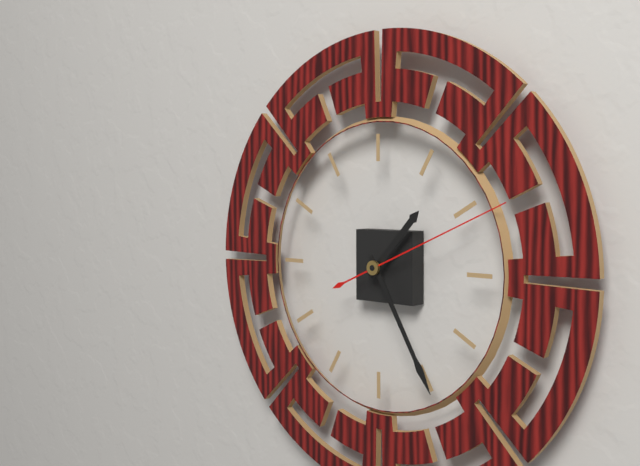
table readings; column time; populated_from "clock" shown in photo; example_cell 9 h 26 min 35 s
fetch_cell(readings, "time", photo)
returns 1 h 25 min 11 s
